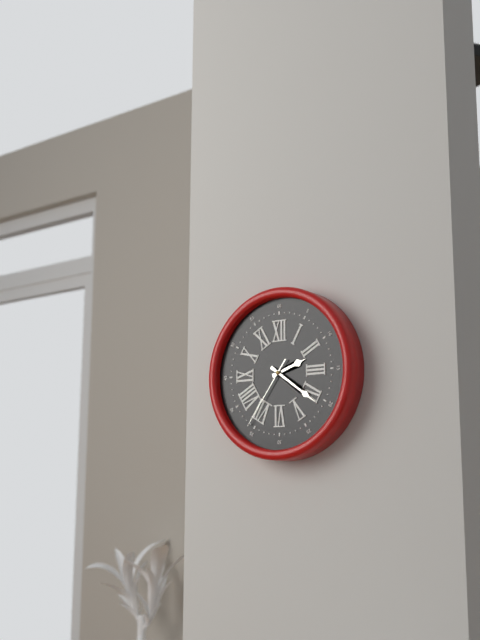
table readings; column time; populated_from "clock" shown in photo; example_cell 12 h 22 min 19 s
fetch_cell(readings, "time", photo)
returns 2 h 21 min 36 s
